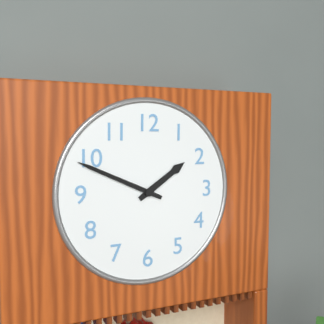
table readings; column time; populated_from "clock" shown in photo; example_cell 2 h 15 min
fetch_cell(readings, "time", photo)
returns 1 h 49 min
